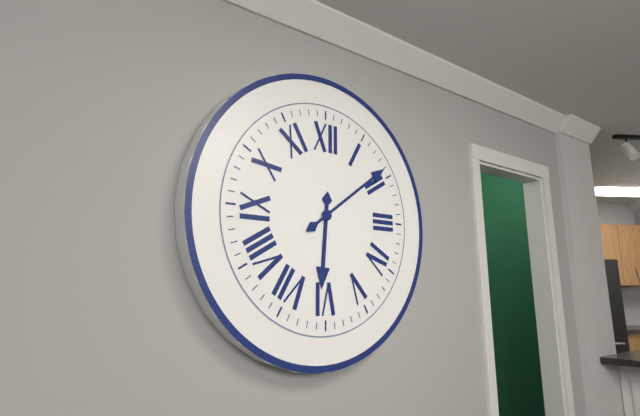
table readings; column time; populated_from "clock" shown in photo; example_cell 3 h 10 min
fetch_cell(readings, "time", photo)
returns 6 h 09 min
